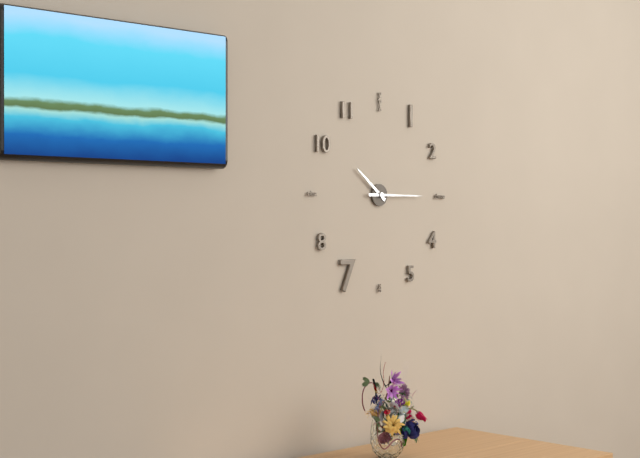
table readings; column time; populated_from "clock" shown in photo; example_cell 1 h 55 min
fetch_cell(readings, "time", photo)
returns 10 h 15 min
